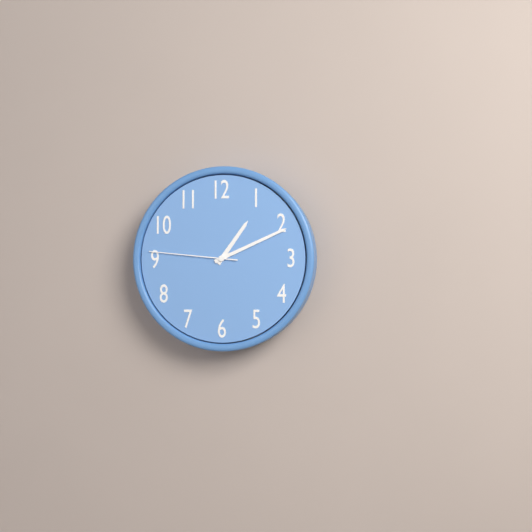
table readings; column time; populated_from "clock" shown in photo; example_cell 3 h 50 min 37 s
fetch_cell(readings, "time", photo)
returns 1 h 11 min 46 s
